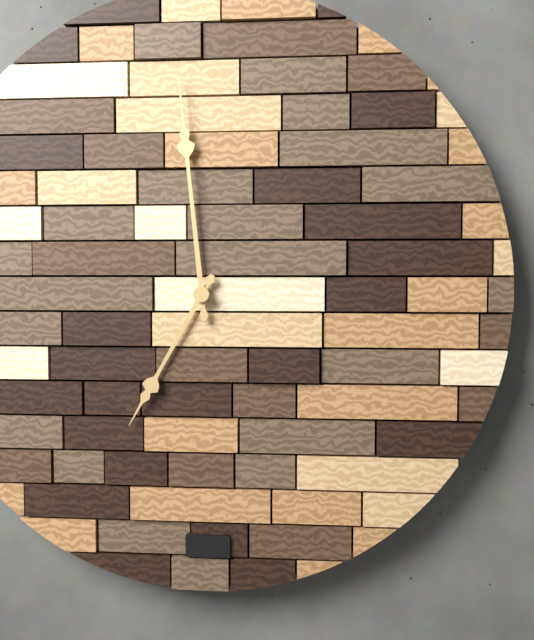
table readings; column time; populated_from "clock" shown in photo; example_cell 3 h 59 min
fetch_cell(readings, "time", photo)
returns 6 h 59 min
